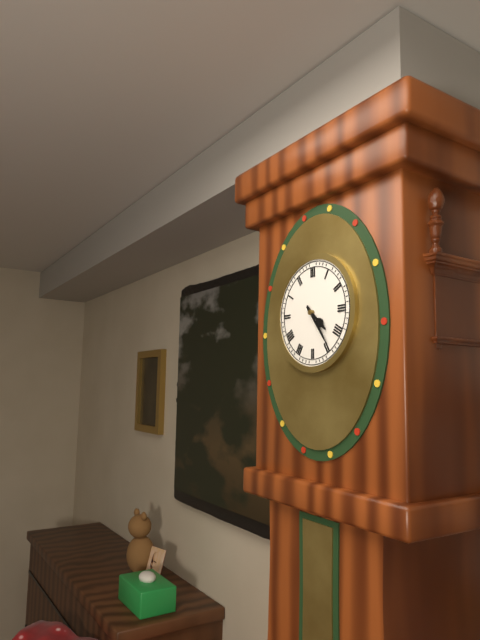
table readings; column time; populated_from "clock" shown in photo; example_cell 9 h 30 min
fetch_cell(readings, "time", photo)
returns 4 h 24 min
